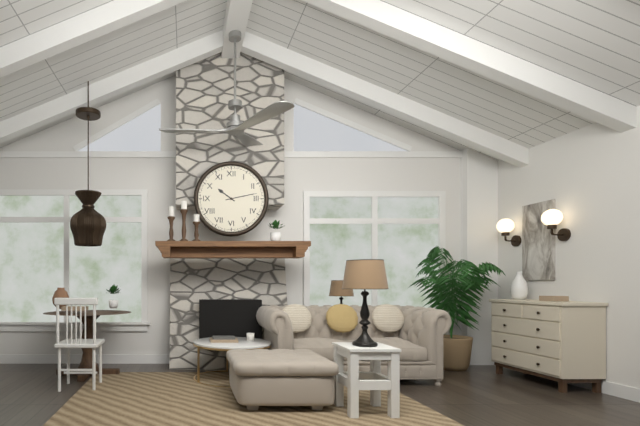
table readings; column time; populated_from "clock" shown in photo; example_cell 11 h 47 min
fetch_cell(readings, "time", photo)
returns 10 h 13 min
